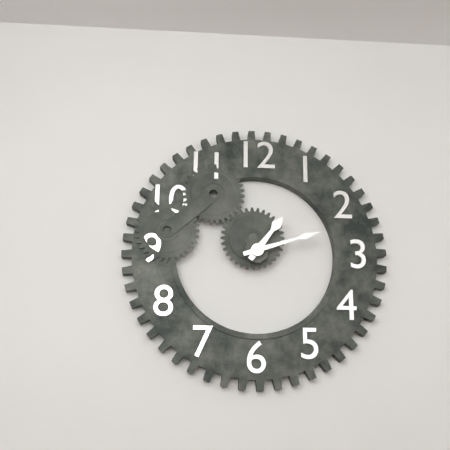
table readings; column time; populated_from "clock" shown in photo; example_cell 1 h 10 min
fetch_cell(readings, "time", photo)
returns 1 h 12 min
